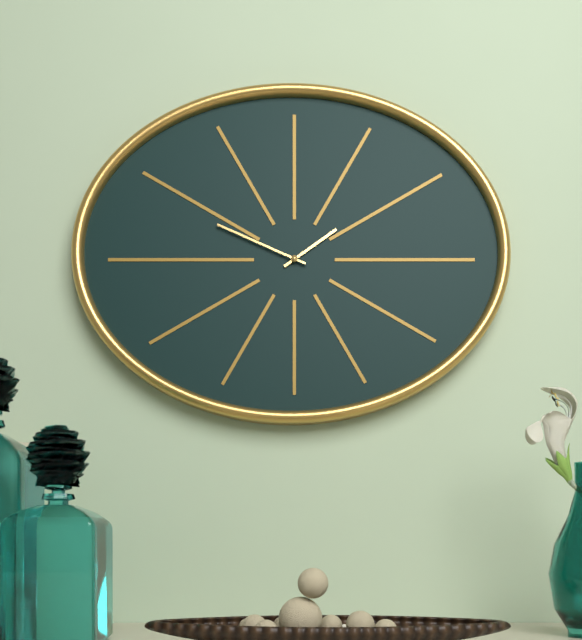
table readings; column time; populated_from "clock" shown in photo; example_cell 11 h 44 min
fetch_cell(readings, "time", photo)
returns 1 h 49 min
